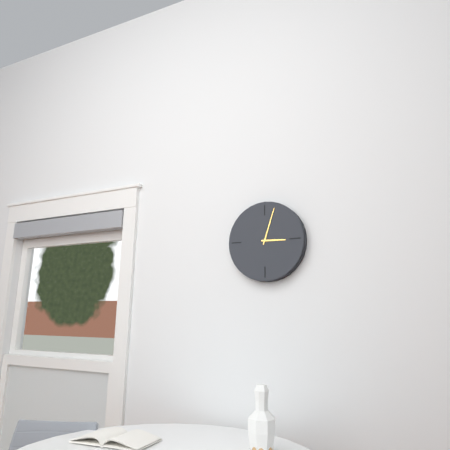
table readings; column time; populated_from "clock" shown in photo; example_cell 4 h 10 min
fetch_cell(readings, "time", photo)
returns 3 h 03 min
